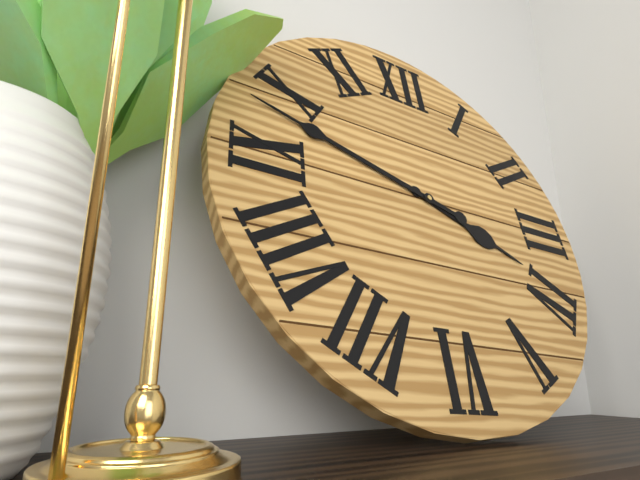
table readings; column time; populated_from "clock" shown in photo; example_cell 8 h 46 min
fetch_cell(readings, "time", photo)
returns 3 h 48 min
